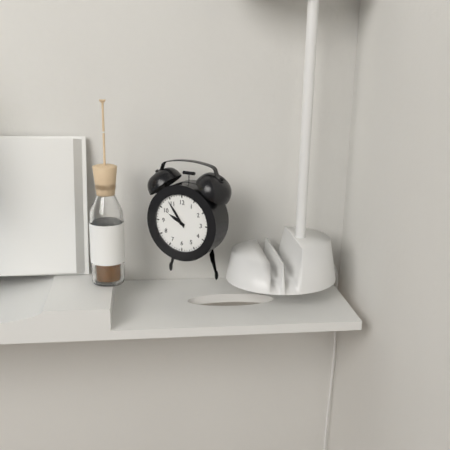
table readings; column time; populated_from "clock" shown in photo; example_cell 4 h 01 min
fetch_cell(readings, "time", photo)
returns 9 h 54 min
